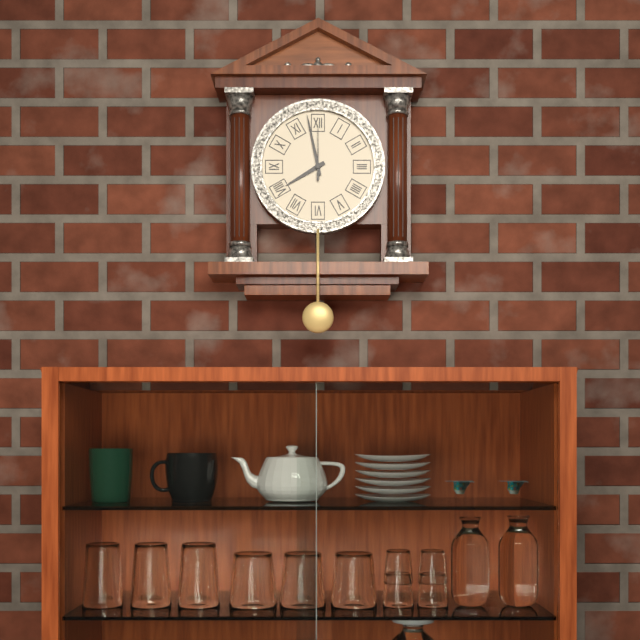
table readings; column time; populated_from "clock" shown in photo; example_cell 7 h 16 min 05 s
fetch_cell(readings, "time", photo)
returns 7 h 58 min 00 s
